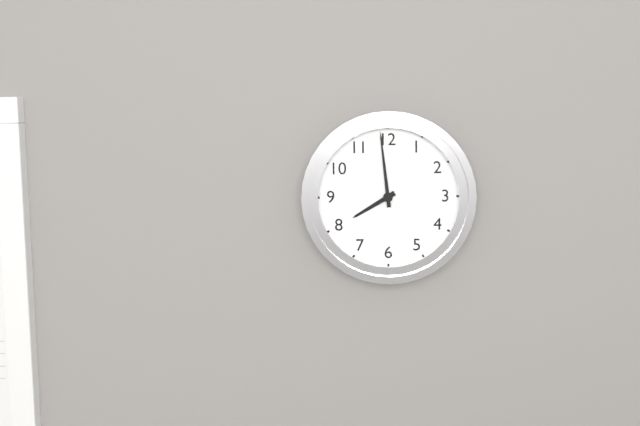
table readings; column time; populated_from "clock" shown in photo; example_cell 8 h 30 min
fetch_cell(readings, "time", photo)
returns 7 h 59 min
